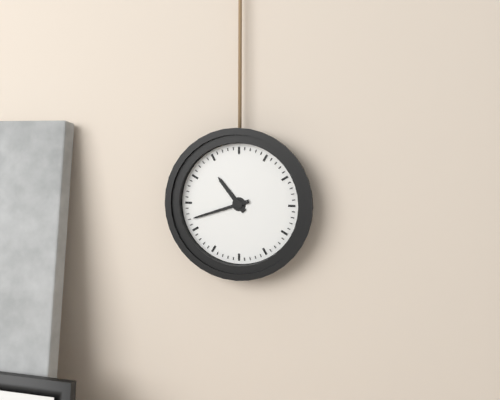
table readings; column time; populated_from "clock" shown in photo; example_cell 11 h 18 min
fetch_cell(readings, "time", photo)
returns 10 h 42 min
